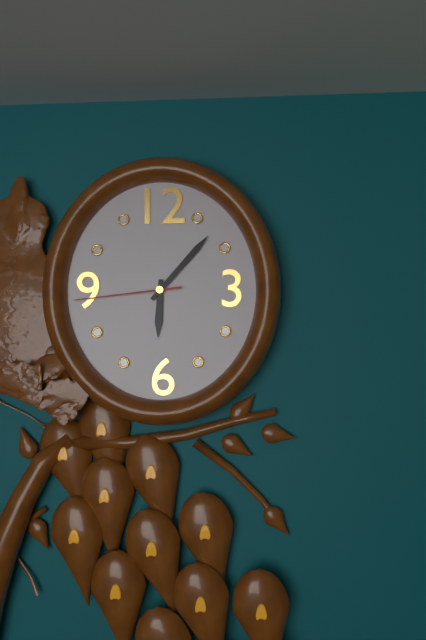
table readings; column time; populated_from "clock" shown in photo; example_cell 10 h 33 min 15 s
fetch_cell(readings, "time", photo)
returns 6 h 07 min 44 s
